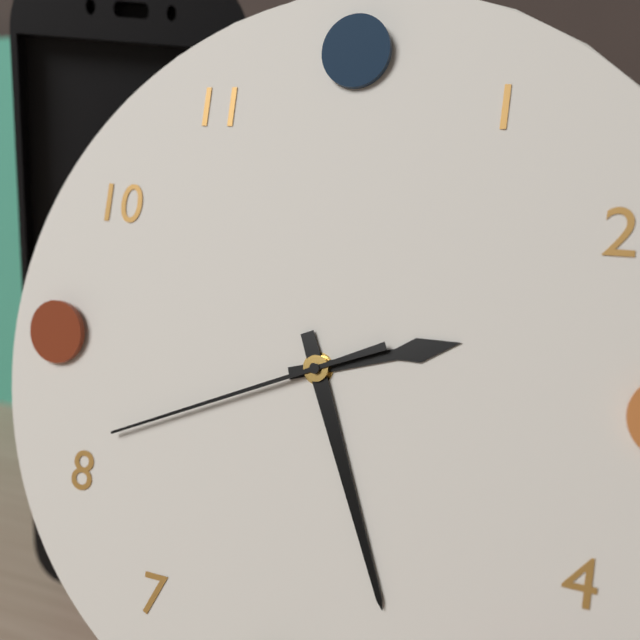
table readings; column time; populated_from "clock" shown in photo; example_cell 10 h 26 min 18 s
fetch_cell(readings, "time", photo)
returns 2 h 26 min 41 s
